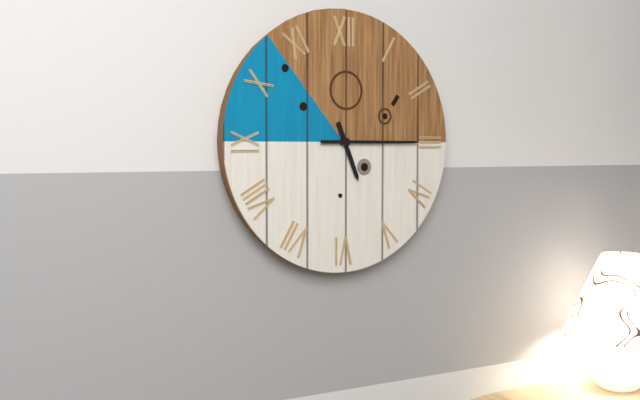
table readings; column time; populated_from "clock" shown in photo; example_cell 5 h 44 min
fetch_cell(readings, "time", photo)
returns 5 h 15 min
